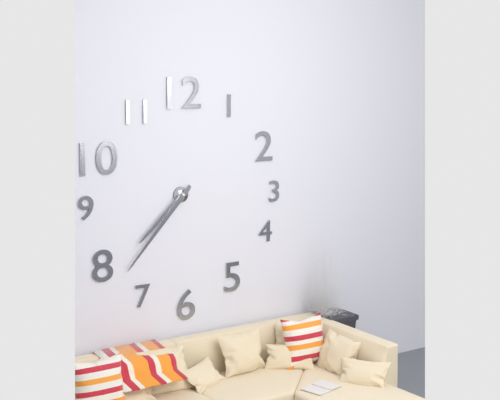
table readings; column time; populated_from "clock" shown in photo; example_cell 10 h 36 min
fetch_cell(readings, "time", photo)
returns 7 h 37 min
